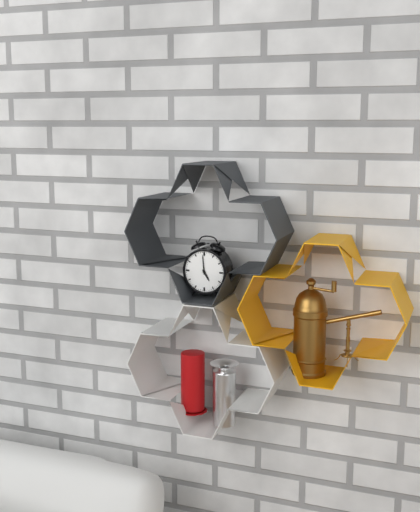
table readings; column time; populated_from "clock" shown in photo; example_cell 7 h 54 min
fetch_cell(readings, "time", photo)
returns 4 h 59 min
